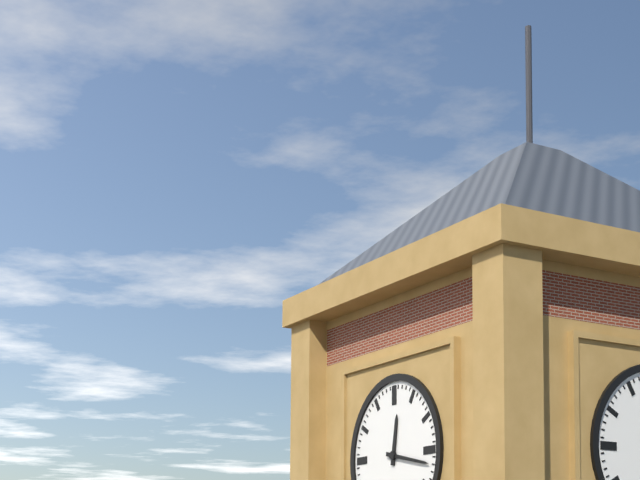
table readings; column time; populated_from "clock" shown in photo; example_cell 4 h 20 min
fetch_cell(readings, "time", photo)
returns 12 h 17 min
